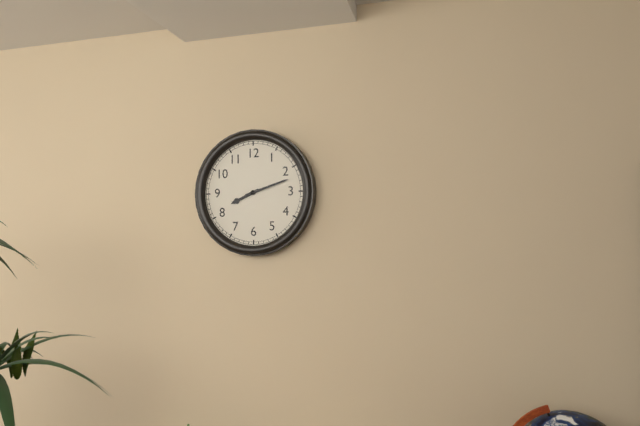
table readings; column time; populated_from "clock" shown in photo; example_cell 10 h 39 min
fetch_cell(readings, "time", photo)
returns 8 h 12 min
